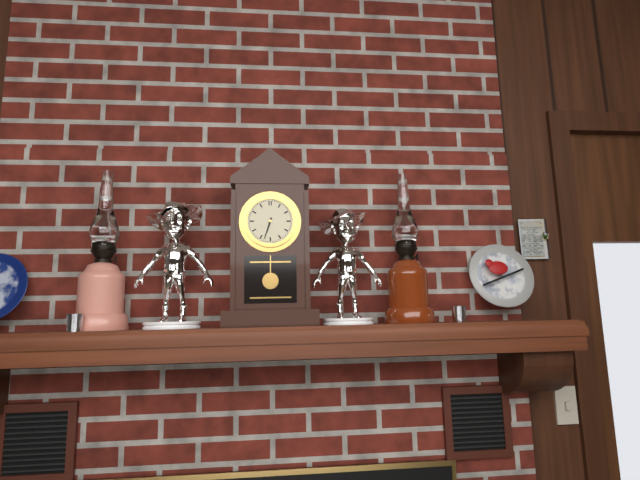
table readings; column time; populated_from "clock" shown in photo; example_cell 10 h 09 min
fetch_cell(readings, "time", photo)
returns 6 h 33 min
